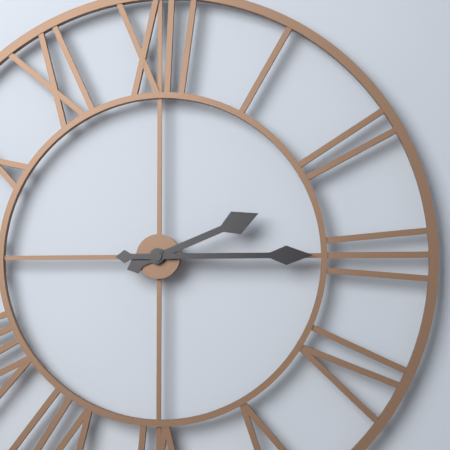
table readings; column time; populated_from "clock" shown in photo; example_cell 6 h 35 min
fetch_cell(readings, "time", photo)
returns 2 h 15 min
